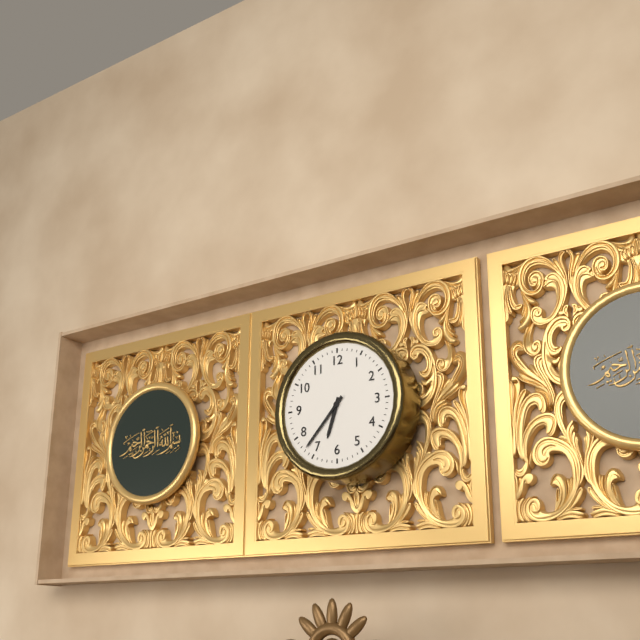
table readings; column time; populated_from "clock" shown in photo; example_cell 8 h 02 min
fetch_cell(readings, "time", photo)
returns 6 h 37 min
